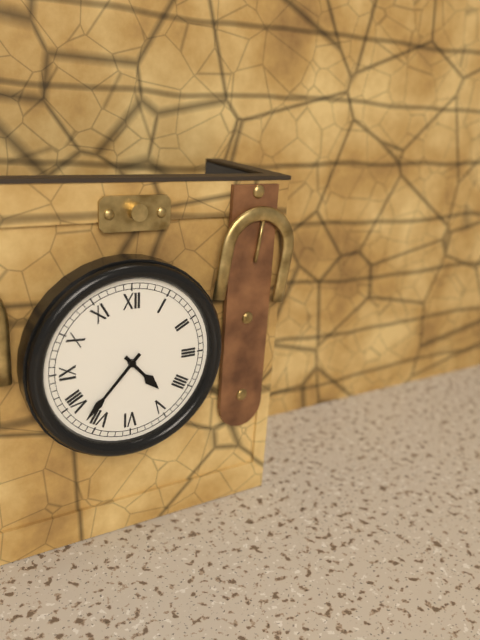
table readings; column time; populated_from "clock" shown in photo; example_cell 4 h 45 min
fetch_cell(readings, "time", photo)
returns 4 h 37 min
